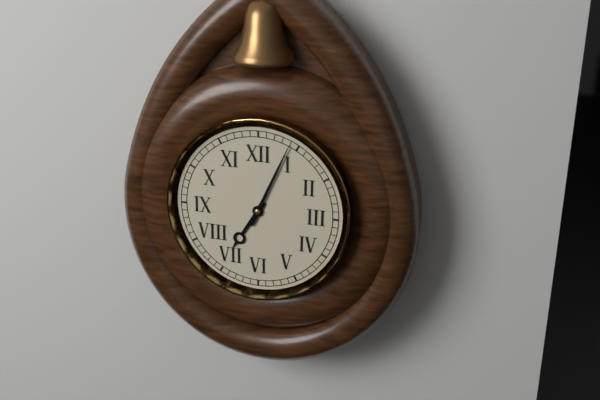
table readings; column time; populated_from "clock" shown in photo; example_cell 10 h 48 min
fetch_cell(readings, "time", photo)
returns 7 h 04 min
